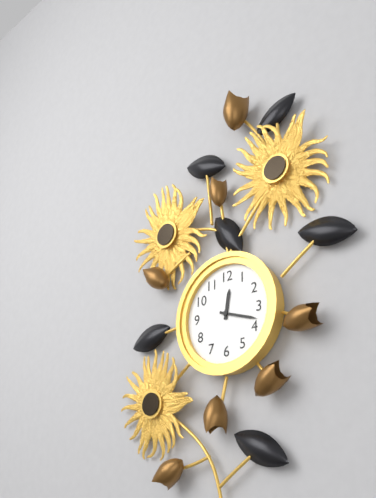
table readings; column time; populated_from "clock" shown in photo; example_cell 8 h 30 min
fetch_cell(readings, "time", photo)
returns 12 h 18 min
